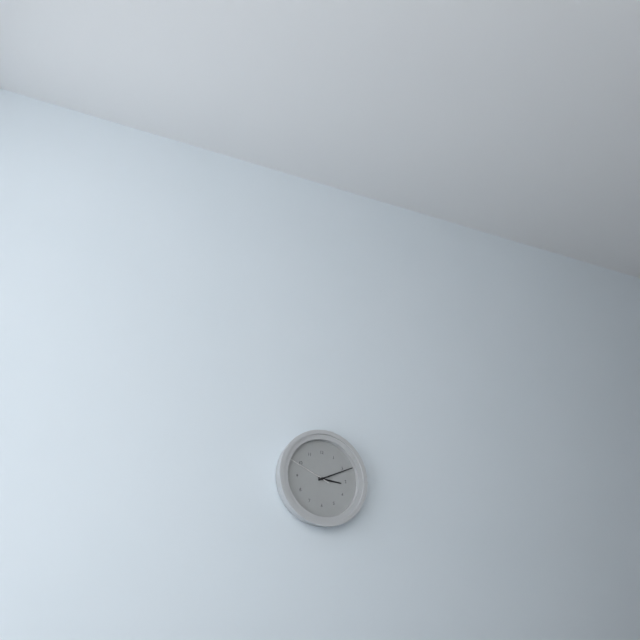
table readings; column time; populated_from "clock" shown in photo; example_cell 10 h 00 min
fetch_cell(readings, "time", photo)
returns 3 h 11 min
